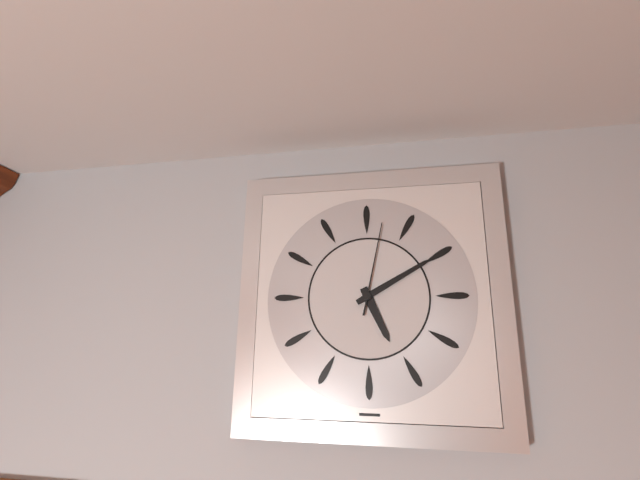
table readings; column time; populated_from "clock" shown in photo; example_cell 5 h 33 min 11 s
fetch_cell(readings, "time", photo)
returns 5 h 10 min 02 s
